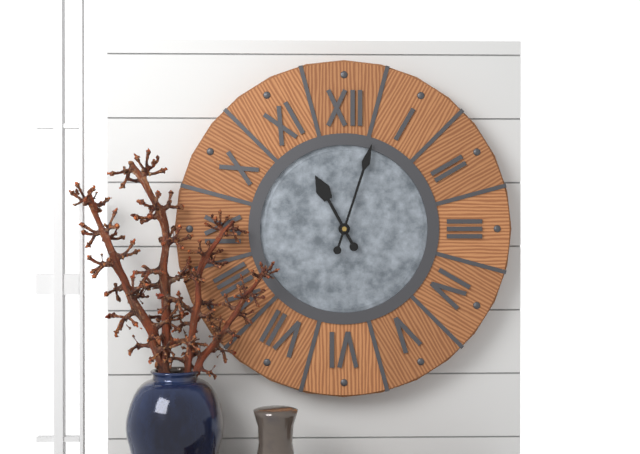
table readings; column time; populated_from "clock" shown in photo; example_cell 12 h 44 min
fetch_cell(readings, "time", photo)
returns 11 h 03 min
